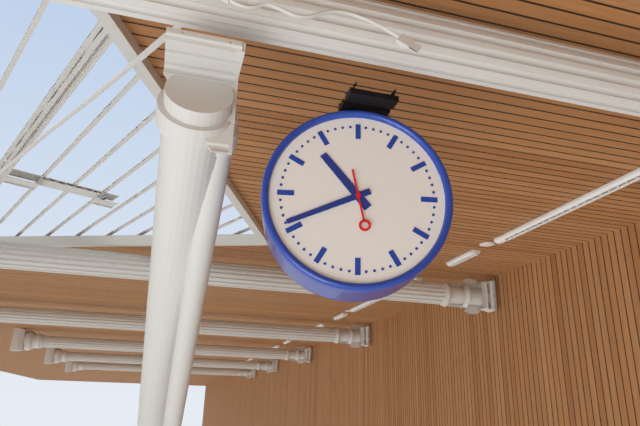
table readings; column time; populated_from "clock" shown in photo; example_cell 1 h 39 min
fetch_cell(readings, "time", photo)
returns 10 h 41 min
